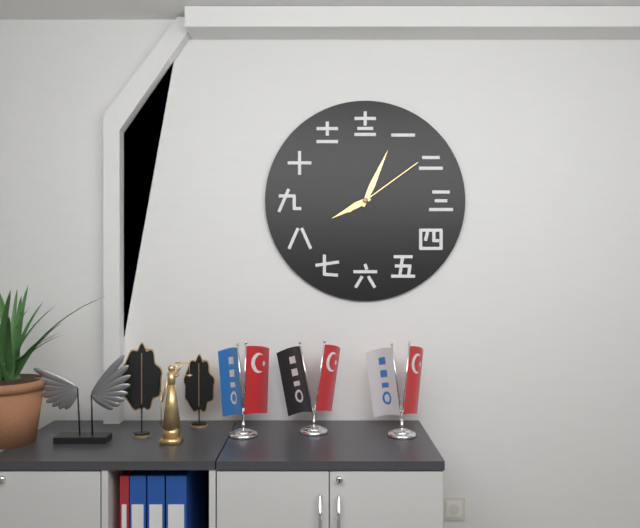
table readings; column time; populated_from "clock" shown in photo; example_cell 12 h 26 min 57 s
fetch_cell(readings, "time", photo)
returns 8 h 04 min 09 s
